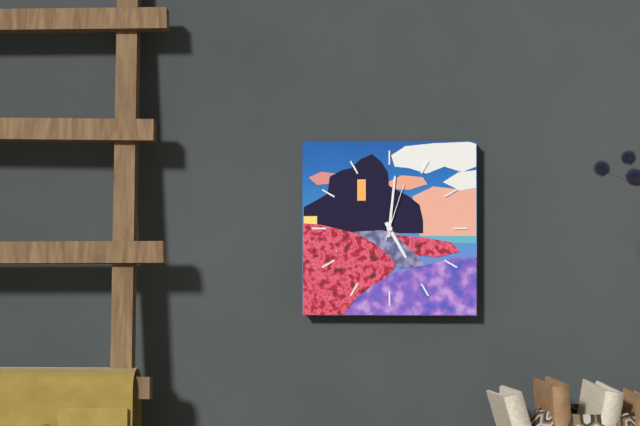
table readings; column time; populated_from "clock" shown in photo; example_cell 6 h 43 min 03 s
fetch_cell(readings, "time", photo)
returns 5 h 01 min 03 s
